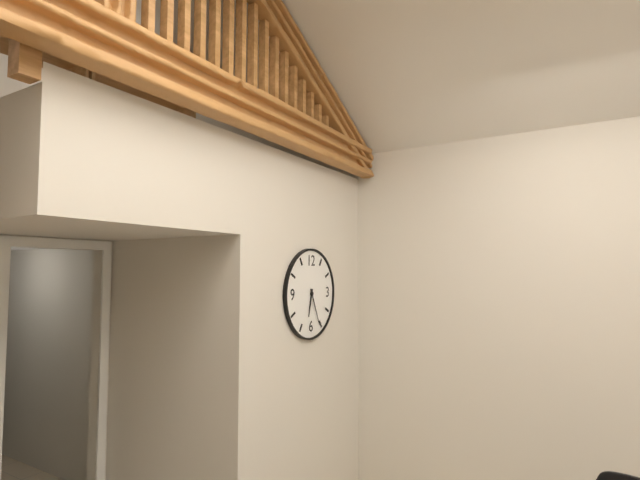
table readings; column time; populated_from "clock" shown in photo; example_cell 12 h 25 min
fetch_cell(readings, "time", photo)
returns 6 h 26 min
